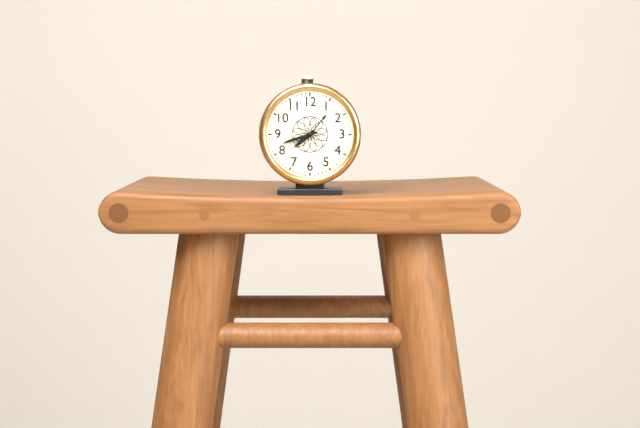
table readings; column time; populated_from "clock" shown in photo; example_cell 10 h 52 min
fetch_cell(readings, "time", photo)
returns 7 h 42 min
